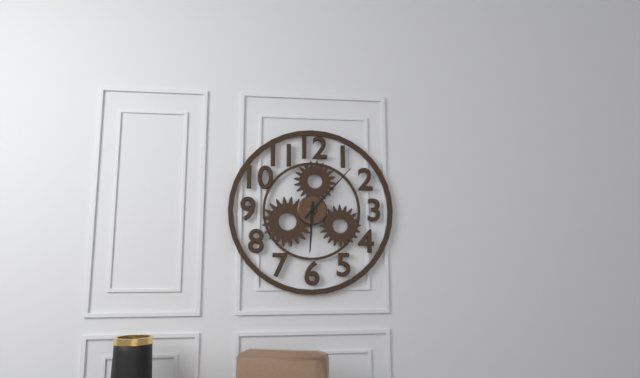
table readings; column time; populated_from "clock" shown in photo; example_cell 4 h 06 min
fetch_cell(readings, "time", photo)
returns 6 h 07 min
